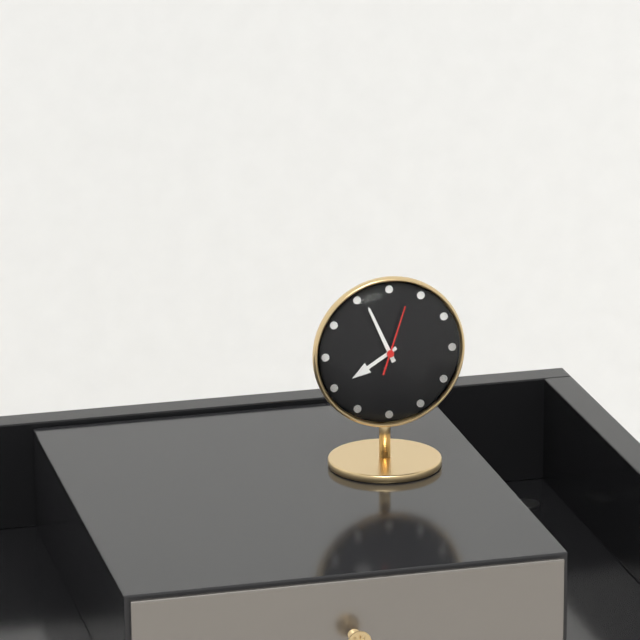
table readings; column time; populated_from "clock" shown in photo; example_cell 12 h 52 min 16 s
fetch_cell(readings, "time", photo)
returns 7 h 56 min 03 s
